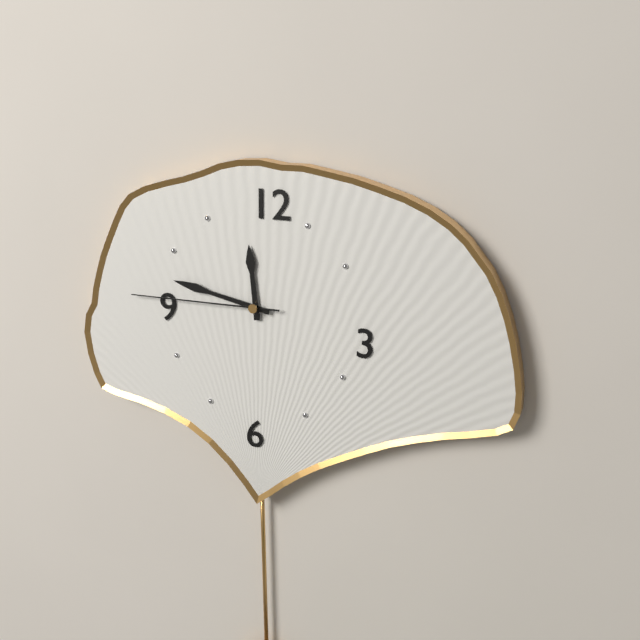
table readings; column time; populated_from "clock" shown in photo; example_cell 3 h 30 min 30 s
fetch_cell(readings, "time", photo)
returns 11 h 47 min 45 s
